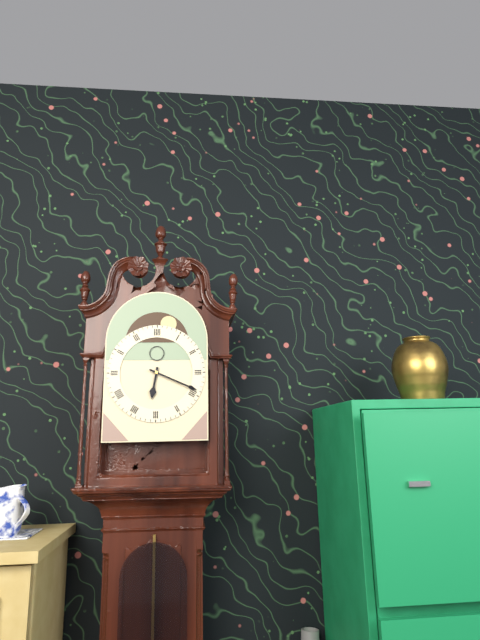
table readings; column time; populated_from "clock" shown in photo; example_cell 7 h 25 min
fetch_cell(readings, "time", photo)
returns 6 h 19 min
